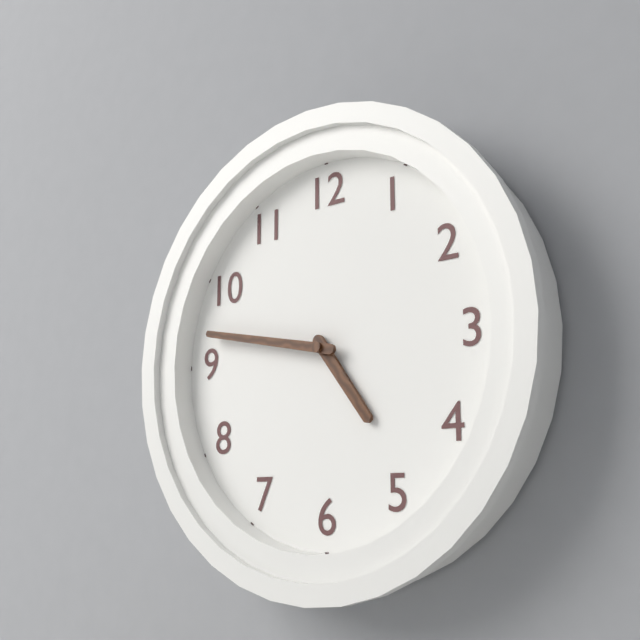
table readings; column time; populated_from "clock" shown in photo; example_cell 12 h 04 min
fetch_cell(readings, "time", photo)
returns 4 h 47 min
